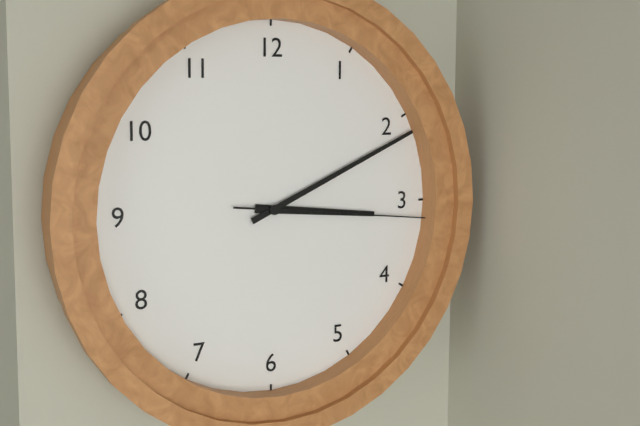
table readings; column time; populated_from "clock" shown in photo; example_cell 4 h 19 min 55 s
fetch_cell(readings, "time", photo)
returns 3 h 11 min 16 s
